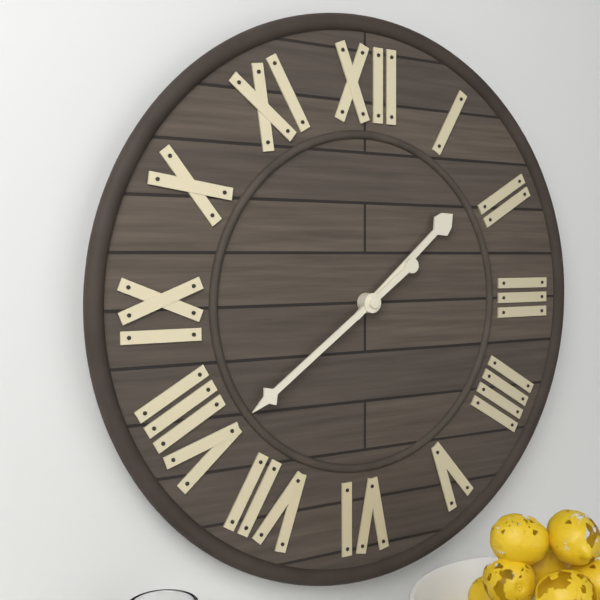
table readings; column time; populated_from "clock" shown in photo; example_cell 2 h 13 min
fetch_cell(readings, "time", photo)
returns 1 h 39 min
